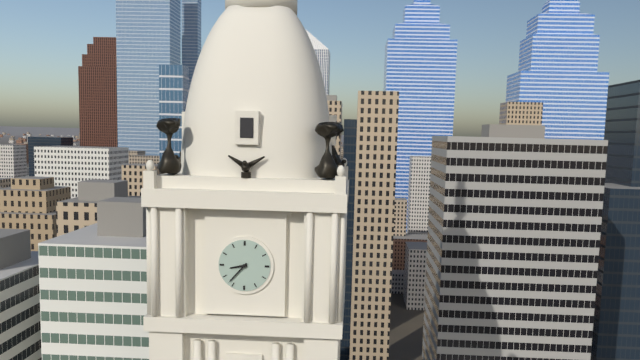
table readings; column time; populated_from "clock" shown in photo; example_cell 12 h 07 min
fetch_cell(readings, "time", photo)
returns 8 h 37 min
